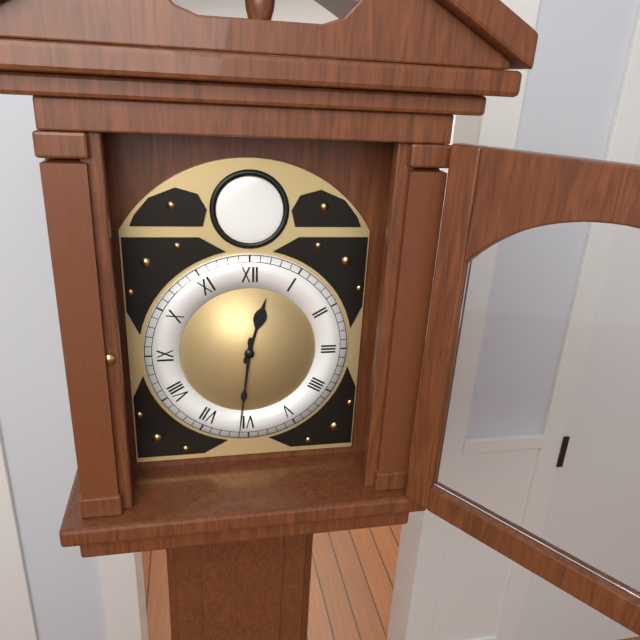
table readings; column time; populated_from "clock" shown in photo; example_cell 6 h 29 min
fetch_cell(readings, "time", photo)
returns 12 h 31 min
